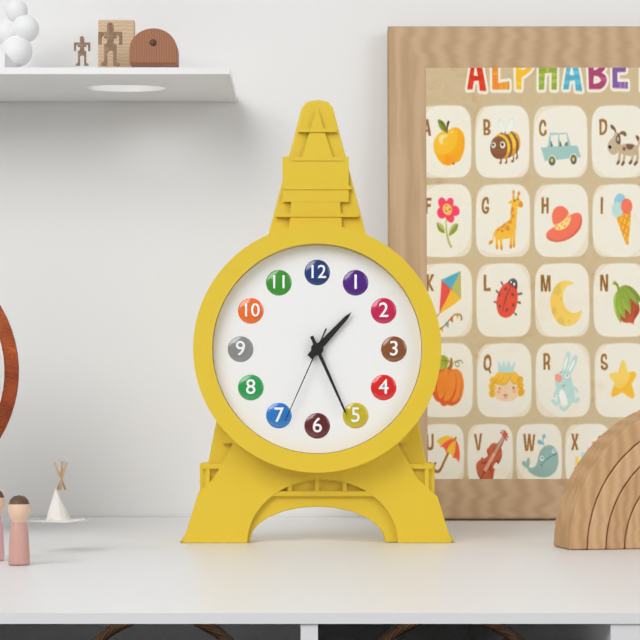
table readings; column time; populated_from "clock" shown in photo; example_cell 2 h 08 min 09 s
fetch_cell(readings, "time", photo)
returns 1 h 26 min 34 s
